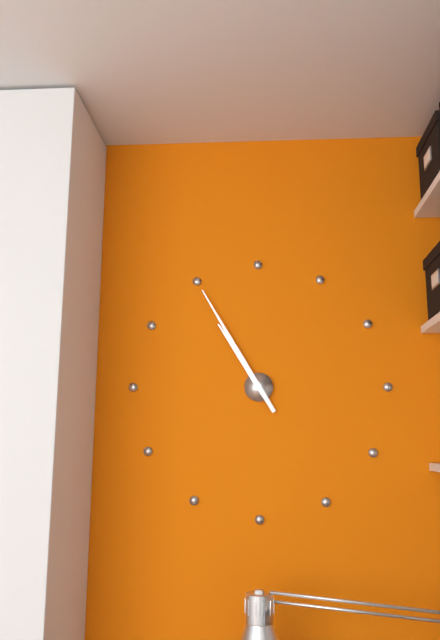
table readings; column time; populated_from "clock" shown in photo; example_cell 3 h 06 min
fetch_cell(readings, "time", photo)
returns 10 h 55 min
